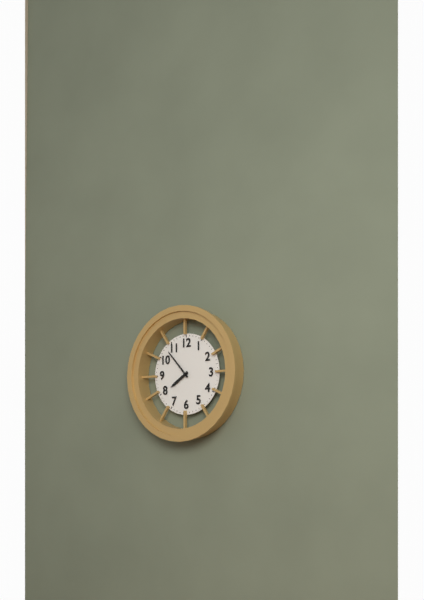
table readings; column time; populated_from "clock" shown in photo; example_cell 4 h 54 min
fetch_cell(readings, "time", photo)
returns 7 h 53 min
